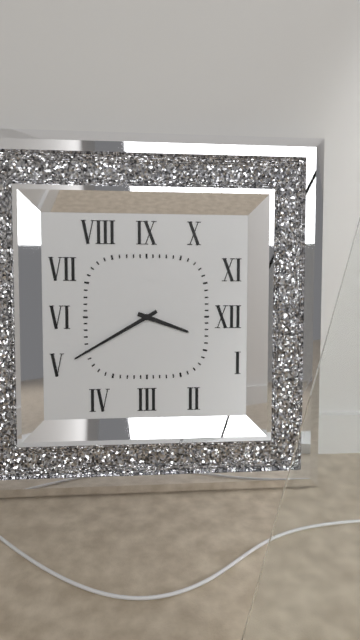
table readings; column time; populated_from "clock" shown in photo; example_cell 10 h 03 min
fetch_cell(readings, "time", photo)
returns 3 h 40 min
